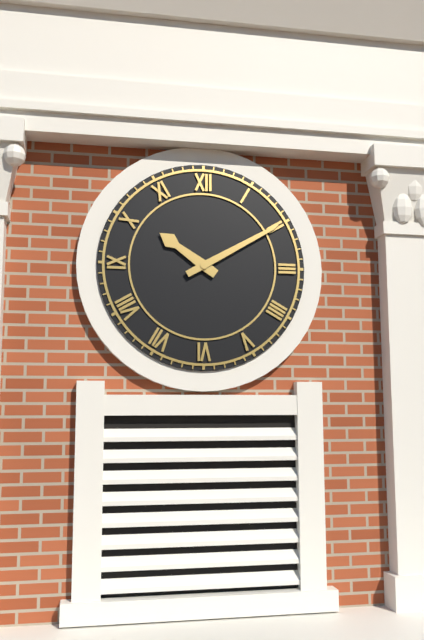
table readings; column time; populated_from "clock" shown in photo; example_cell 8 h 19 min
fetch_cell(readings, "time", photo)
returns 10 h 10 min
